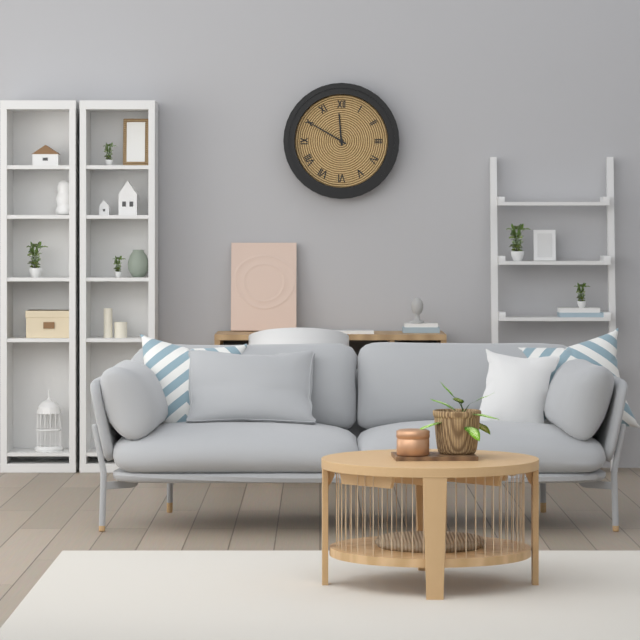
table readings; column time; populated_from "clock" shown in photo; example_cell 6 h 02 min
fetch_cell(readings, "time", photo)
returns 11 h 50 min
